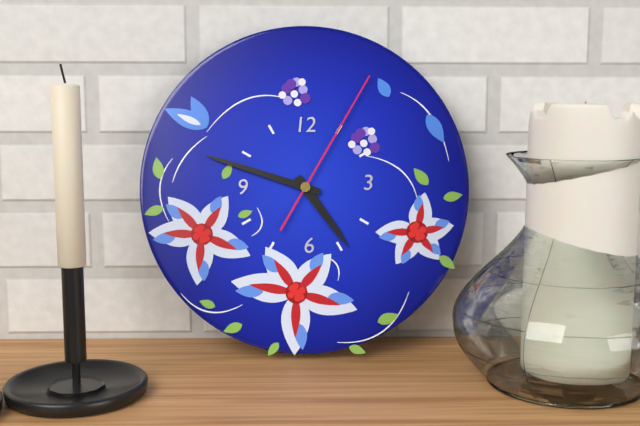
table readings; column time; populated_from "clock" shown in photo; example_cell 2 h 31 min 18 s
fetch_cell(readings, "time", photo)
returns 4 h 48 min 05 s
